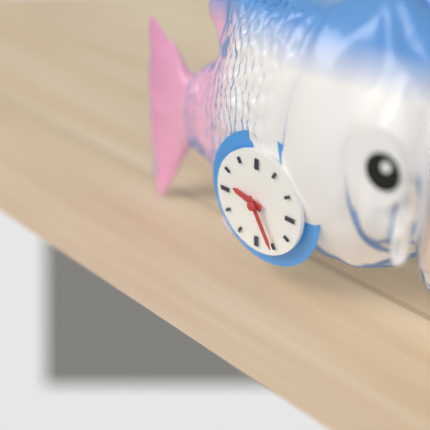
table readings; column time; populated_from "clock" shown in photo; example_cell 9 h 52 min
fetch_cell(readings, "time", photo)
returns 9 h 25 min
